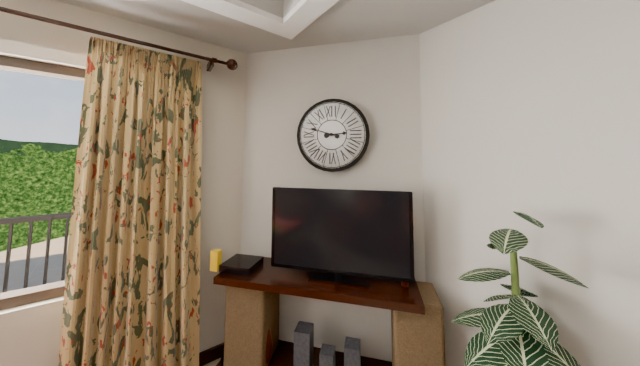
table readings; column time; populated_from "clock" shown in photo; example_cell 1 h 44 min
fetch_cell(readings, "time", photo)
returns 2 h 48 min
